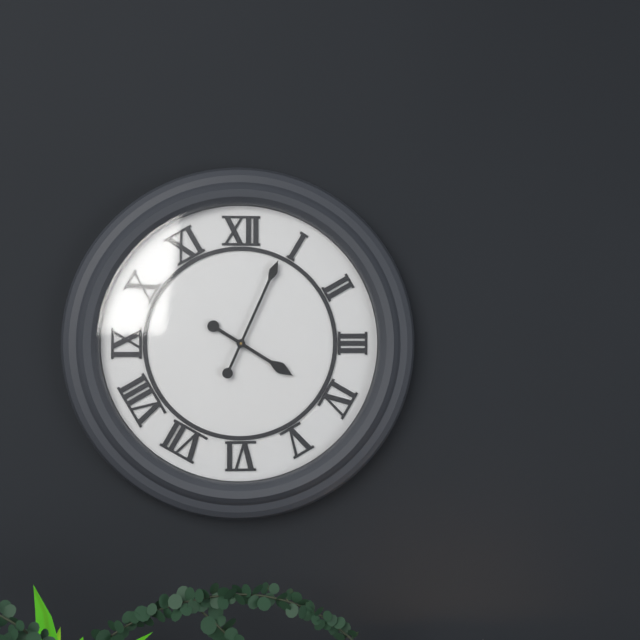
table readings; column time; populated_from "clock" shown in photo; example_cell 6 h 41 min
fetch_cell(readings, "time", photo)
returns 4 h 04 min
